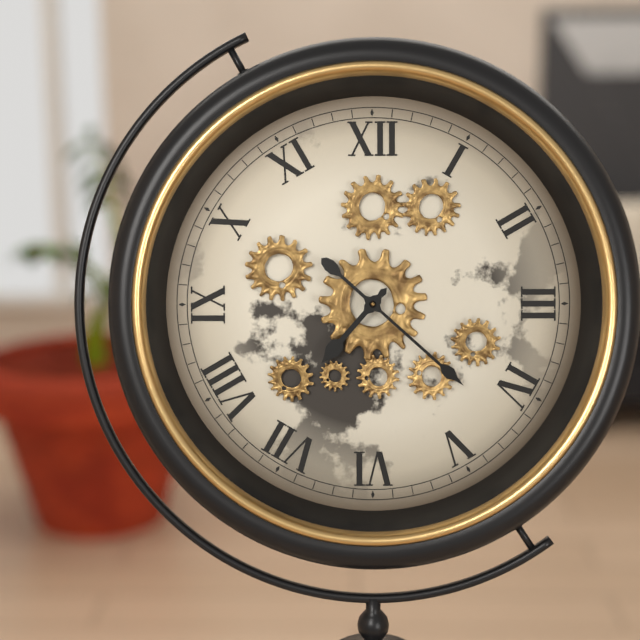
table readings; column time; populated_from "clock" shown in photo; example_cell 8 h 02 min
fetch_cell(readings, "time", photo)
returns 7 h 22 min
